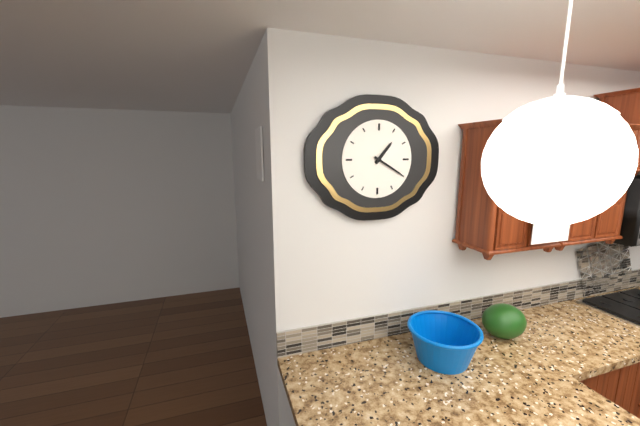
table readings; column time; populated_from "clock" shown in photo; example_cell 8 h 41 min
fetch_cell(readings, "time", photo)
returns 1 h 20 min
